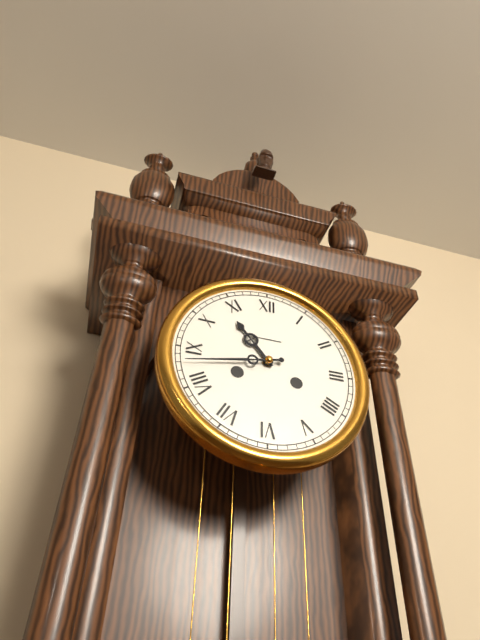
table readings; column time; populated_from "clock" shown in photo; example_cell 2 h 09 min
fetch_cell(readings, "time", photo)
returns 10 h 43 min
